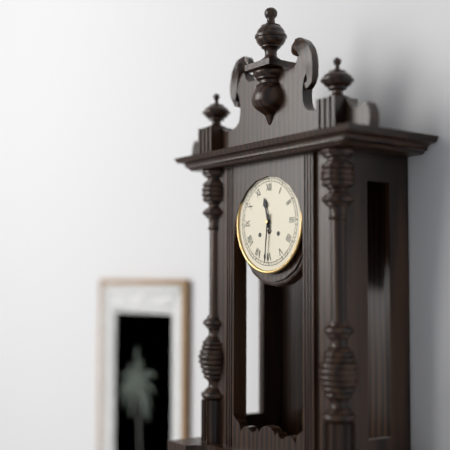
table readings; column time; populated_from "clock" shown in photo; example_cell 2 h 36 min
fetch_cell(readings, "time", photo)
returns 11 h 31 min
